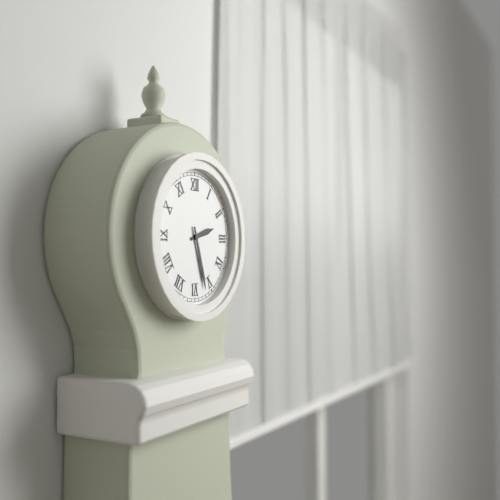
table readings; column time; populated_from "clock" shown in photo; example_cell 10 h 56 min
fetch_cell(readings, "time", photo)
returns 2 h 27 min
